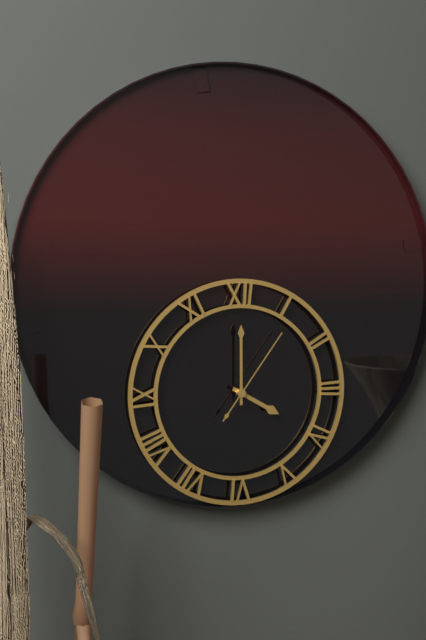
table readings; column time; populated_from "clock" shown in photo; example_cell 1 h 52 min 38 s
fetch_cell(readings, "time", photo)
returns 4 h 00 min 06 s
